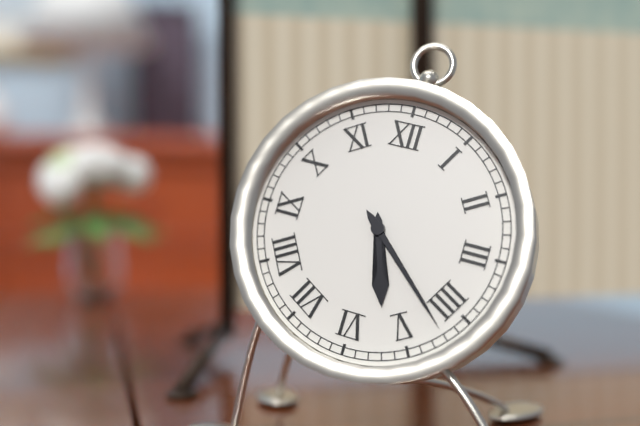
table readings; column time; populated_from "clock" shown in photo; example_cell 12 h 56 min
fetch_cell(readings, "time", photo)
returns 5 h 22 min
